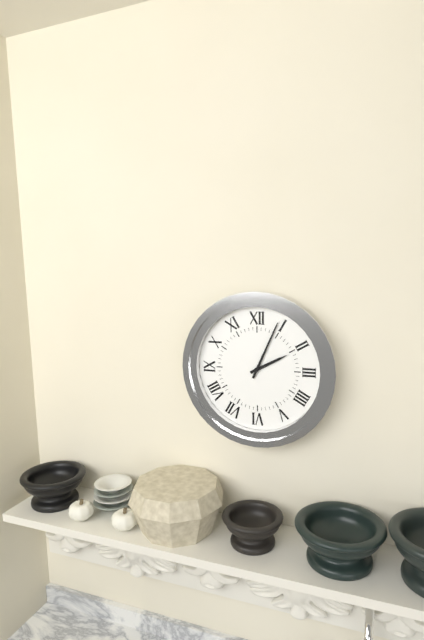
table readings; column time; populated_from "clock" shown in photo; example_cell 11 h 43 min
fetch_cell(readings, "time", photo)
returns 2 h 04 min
